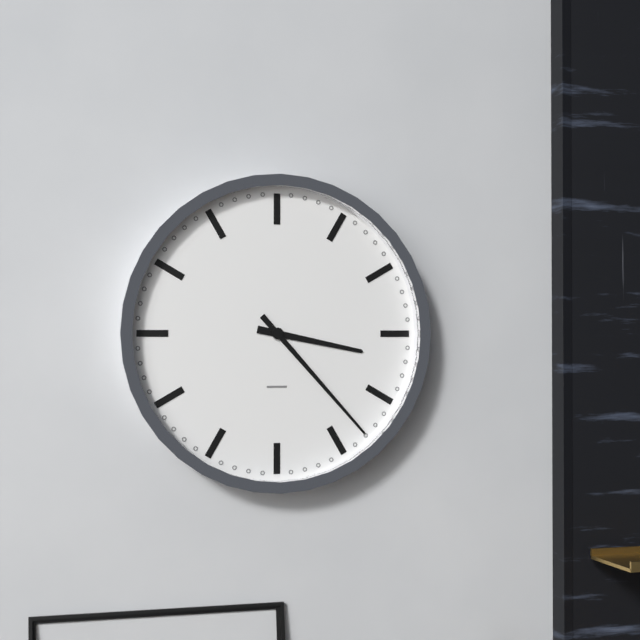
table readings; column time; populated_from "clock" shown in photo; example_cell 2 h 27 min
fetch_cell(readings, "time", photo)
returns 3 h 23 min
